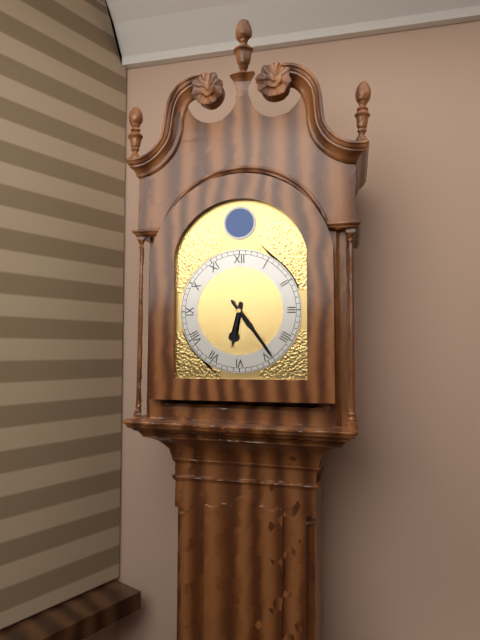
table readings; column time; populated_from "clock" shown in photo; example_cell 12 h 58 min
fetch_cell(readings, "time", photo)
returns 6 h 24 min
